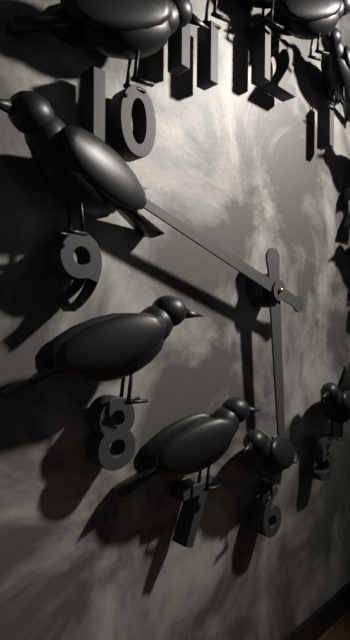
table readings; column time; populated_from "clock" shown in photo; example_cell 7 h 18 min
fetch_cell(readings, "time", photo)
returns 5 h 48 min
